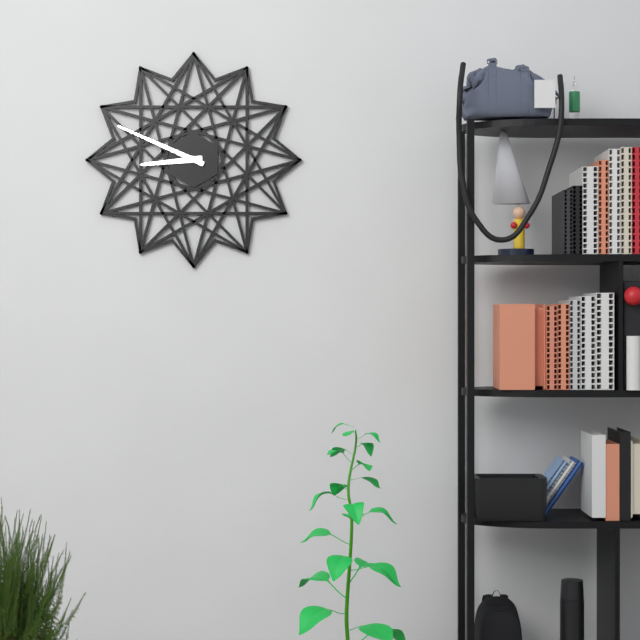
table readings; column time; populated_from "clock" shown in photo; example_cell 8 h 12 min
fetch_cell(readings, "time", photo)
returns 8 h 49 min
